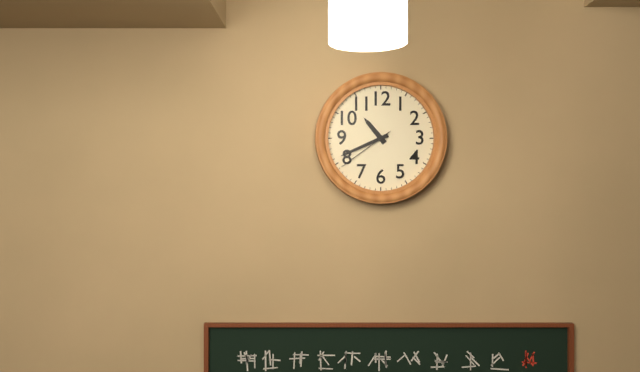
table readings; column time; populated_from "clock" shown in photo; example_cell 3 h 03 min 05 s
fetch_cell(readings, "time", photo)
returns 10 h 41 min 39 s
